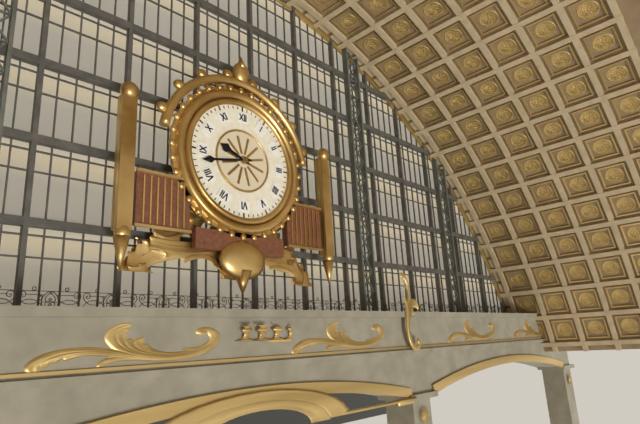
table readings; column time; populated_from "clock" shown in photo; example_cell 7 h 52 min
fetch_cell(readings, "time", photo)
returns 9 h 43 min
